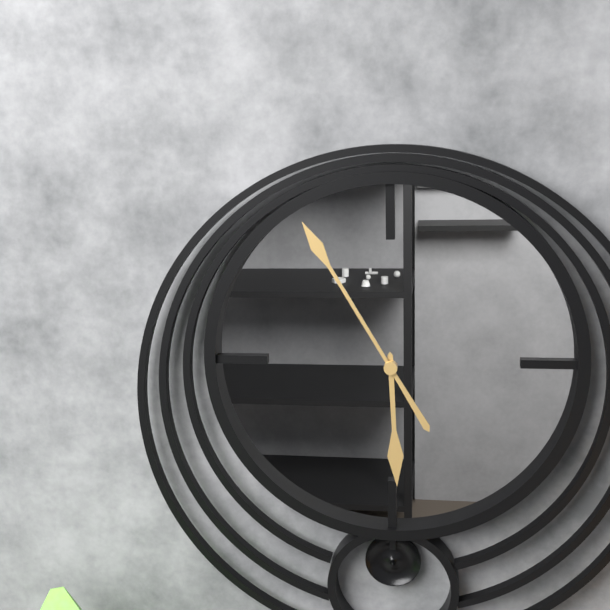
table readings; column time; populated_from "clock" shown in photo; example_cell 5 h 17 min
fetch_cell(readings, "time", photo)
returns 5 h 55 min
